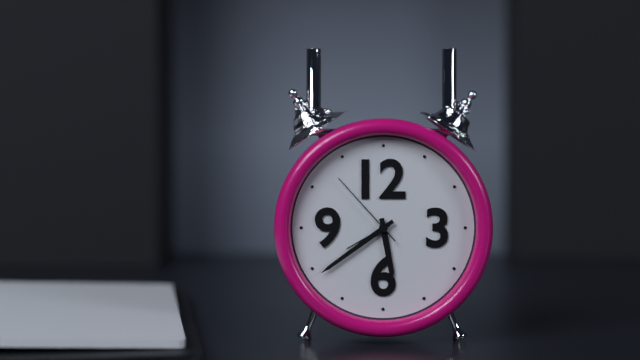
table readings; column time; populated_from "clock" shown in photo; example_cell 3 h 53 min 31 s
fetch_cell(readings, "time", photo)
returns 5 h 39 min 53 s
